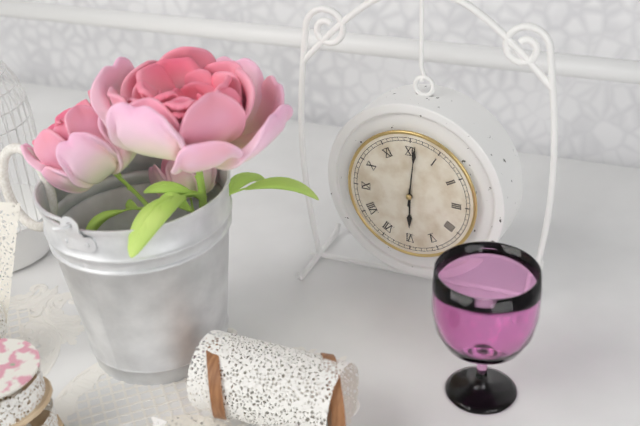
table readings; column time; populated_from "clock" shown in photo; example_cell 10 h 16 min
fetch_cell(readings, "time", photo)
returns 6 h 01 min
